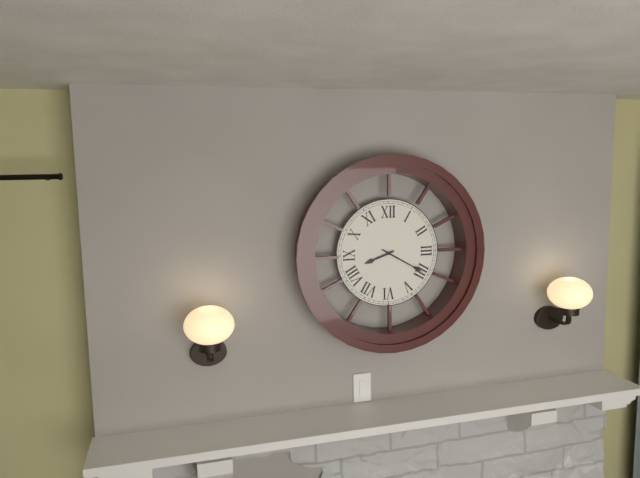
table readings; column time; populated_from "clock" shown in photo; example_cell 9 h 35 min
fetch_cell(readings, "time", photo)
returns 8 h 20 min
